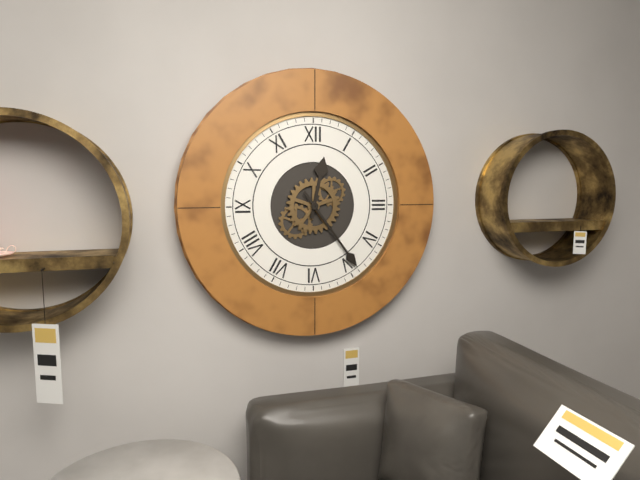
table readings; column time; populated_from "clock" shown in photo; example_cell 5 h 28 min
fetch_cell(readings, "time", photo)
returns 12 h 24 min
